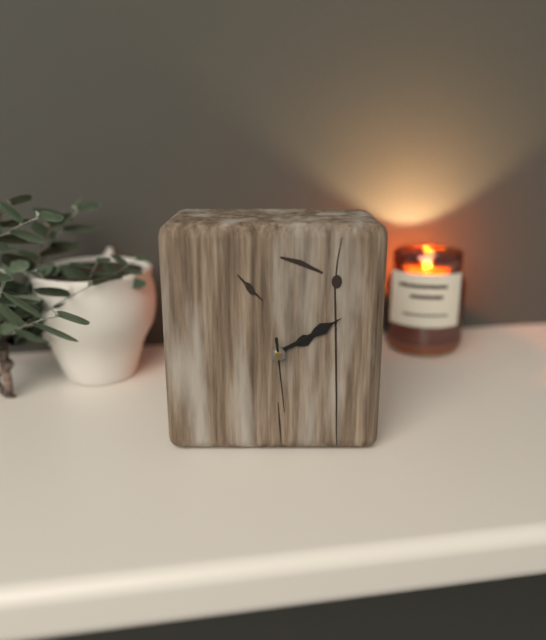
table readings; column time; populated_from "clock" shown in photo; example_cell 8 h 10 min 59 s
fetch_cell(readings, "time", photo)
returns 2 h 10 min 29 s
